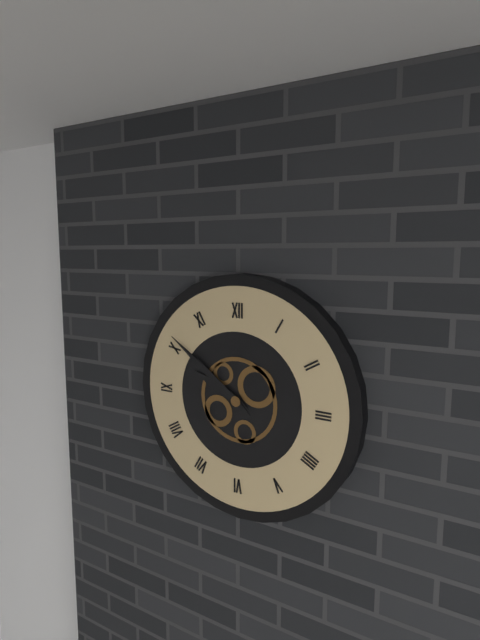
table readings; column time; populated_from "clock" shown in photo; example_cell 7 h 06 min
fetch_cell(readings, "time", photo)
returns 9 h 51 min
